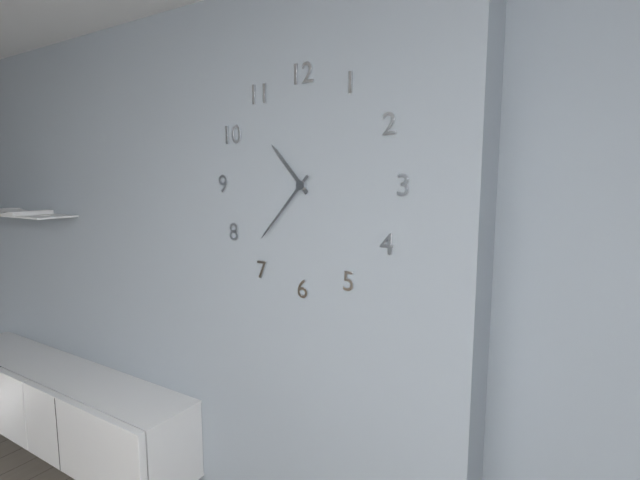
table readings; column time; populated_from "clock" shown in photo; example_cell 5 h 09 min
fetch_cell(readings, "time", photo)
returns 10 h 37 min
